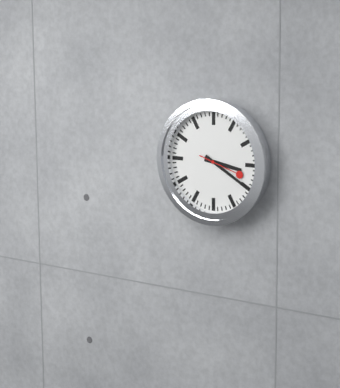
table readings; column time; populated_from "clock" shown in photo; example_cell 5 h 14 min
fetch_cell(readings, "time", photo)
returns 3 h 20 min
